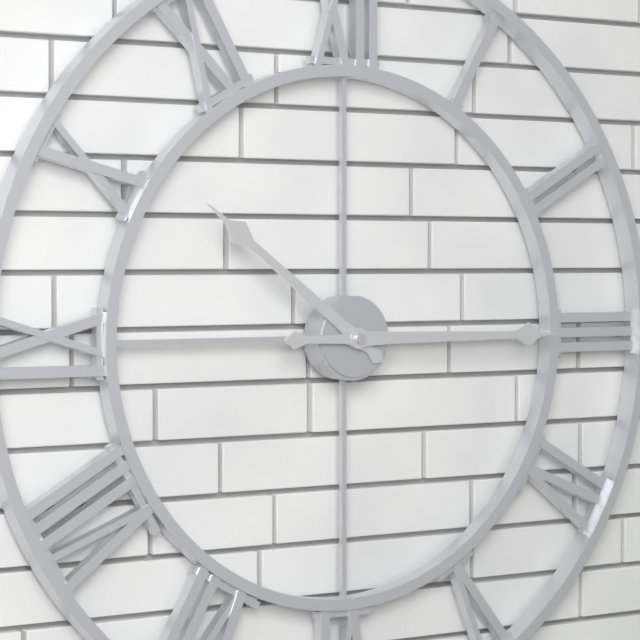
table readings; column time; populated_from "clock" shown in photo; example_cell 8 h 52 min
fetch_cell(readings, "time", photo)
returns 10 h 15 min
